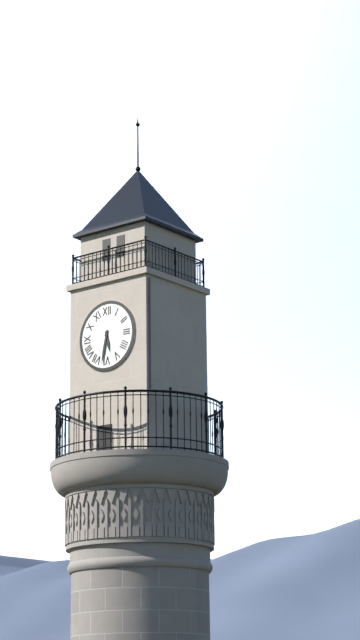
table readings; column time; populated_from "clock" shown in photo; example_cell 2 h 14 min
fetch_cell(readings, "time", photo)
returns 5 h 32 min
